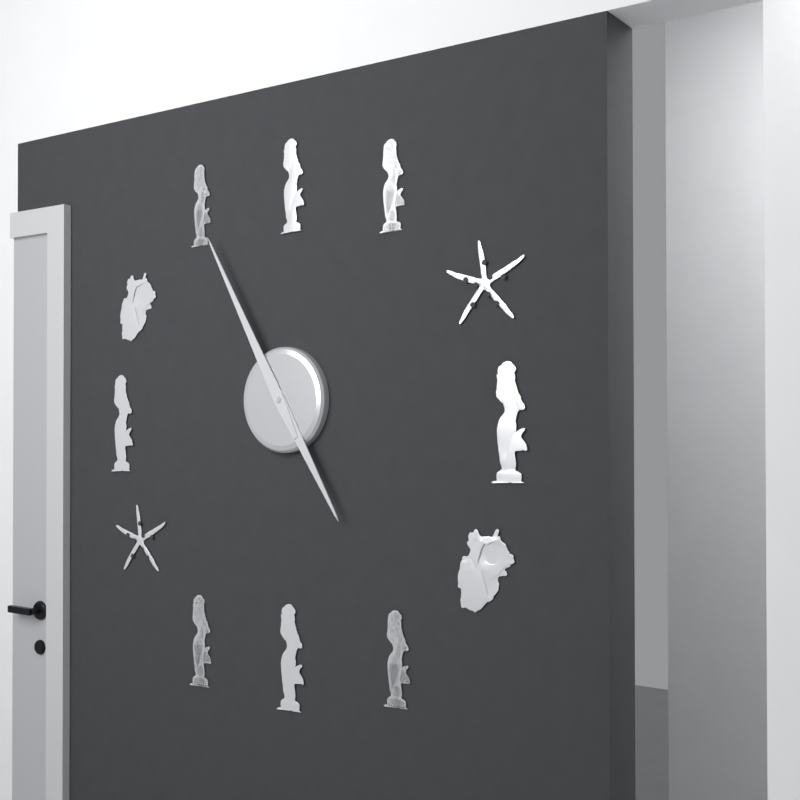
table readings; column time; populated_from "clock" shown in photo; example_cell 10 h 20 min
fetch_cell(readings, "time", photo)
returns 4 h 55 min
